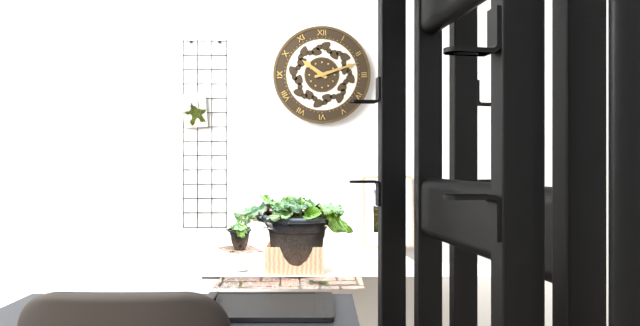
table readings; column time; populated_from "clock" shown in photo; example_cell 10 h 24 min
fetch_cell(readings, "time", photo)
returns 10 h 12 min
